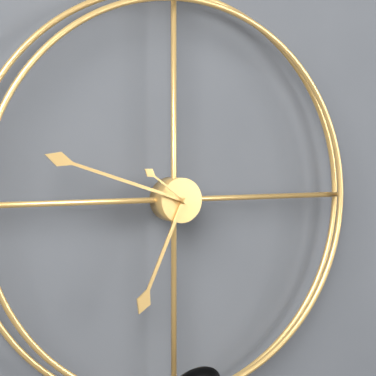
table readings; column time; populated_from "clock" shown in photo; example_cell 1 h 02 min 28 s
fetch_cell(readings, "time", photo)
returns 6 h 48 min 51 s
